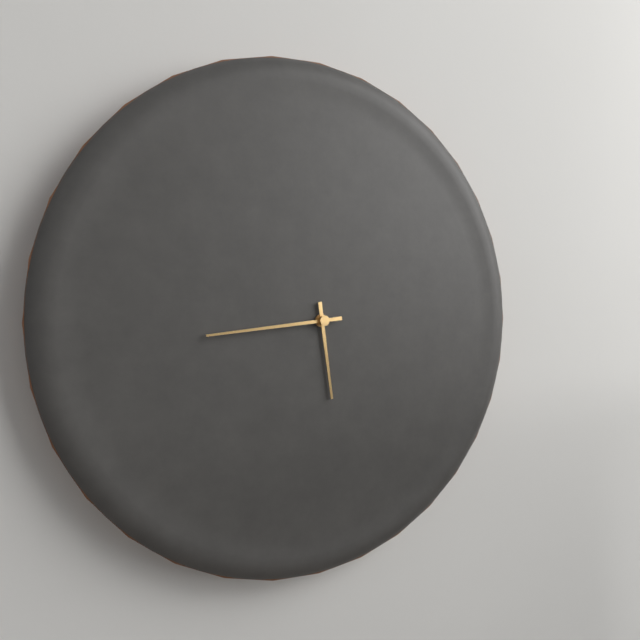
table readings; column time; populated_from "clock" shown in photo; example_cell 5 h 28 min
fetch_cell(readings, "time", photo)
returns 5 h 44 min
